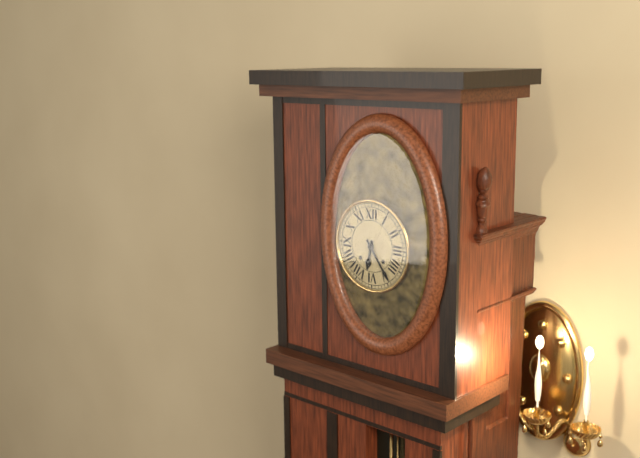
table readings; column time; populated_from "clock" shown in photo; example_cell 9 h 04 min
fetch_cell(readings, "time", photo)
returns 6 h 24 min
